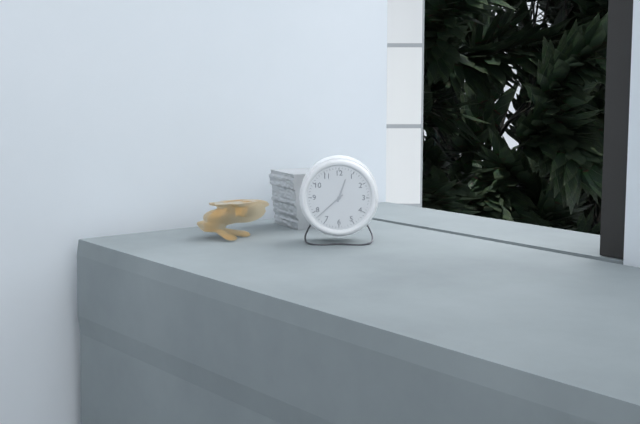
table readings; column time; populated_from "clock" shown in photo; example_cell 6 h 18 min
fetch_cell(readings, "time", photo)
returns 12 h 38 min
